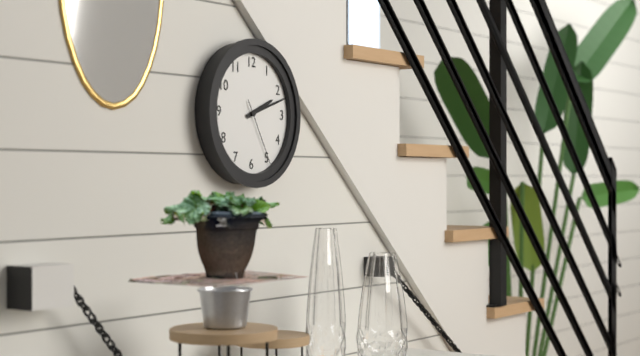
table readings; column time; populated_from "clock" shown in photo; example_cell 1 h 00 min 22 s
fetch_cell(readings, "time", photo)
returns 2 h 12 min 25 s
